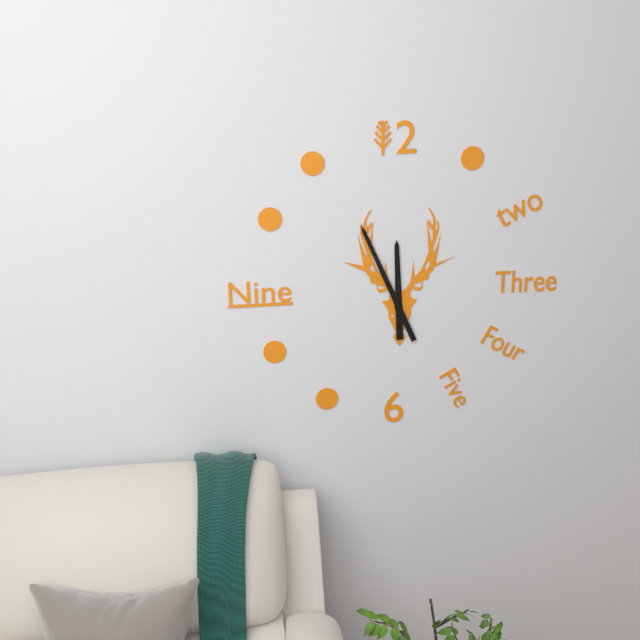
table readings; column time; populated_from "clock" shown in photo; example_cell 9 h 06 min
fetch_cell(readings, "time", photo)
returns 11 h 56 min
